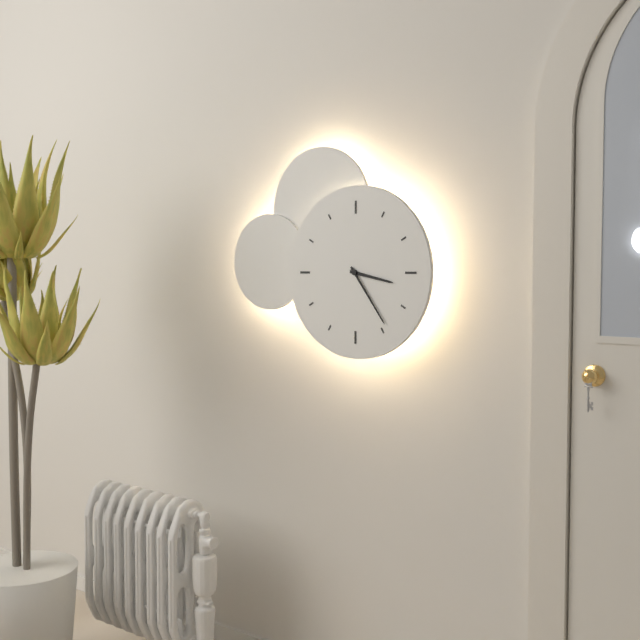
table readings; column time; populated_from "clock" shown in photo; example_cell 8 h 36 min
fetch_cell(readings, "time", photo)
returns 3 h 24 min
